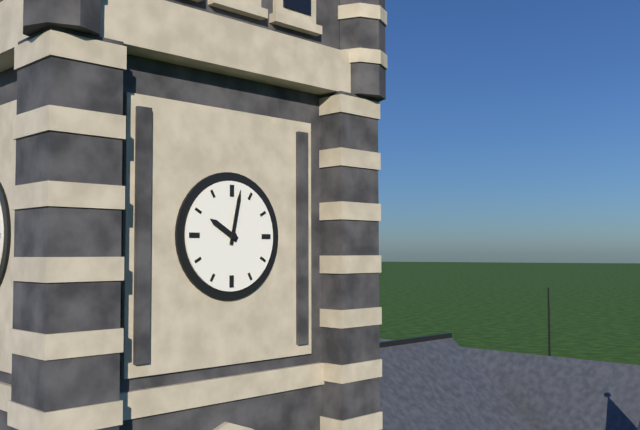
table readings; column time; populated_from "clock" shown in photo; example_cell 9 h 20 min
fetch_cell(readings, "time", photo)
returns 10 h 02 min
